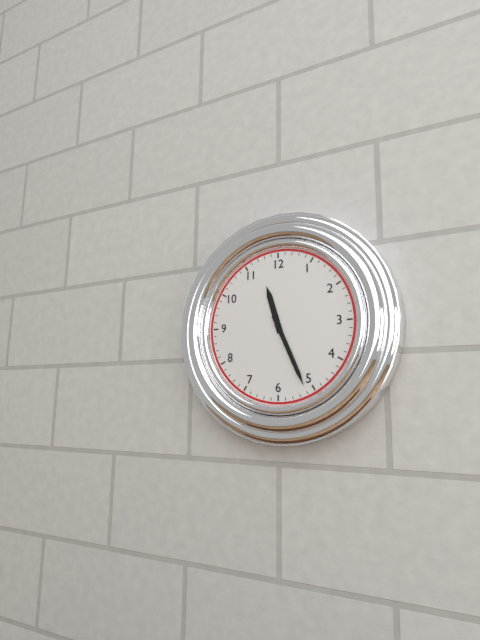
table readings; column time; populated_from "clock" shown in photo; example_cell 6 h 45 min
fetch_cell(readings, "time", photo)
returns 11 h 26 min
